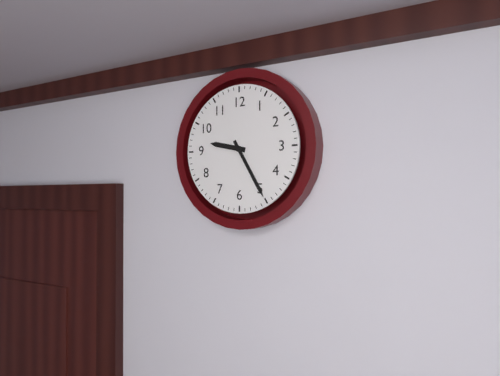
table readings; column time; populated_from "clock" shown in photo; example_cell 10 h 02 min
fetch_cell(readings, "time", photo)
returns 9 h 25 min
